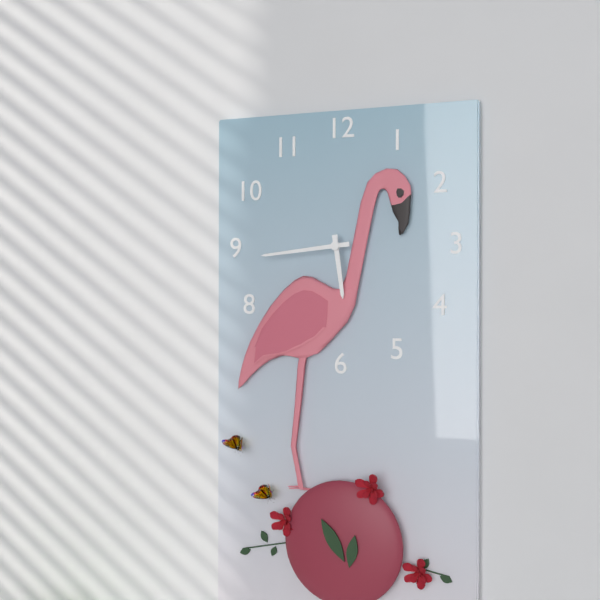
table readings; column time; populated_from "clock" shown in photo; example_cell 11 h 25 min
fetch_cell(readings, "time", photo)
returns 5 h 44 min
